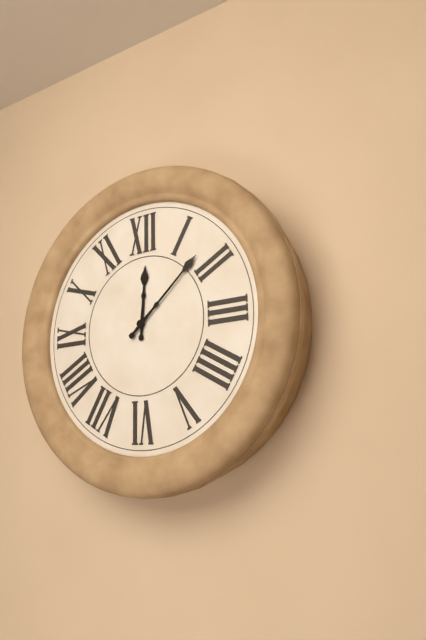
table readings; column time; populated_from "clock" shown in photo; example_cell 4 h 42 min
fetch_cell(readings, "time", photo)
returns 12 h 08 min
